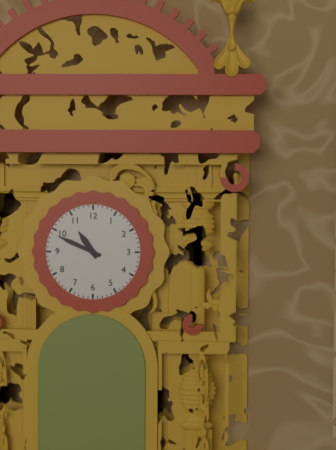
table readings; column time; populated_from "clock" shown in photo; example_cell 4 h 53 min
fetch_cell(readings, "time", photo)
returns 10 h 49 min
